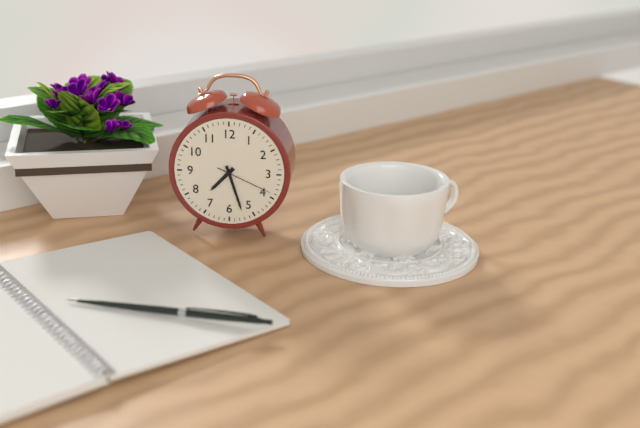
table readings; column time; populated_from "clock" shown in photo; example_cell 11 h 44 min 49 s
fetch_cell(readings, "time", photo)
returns 7 h 27 min 19 s
